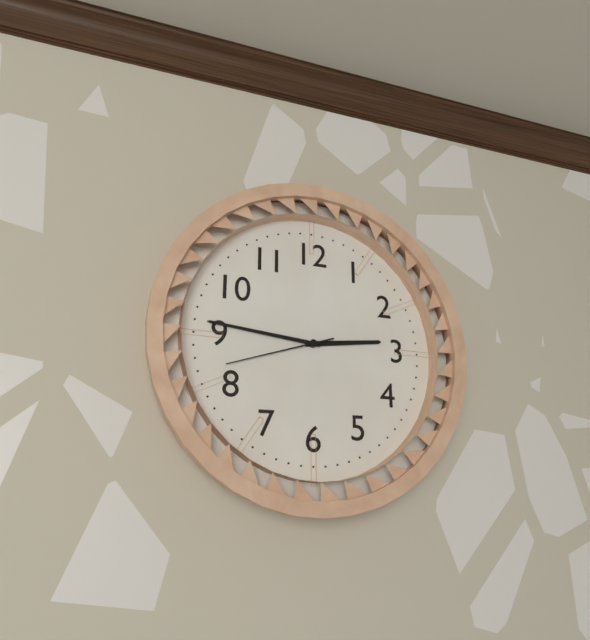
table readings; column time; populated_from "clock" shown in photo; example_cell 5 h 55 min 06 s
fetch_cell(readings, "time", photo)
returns 2 h 46 min 42 s
